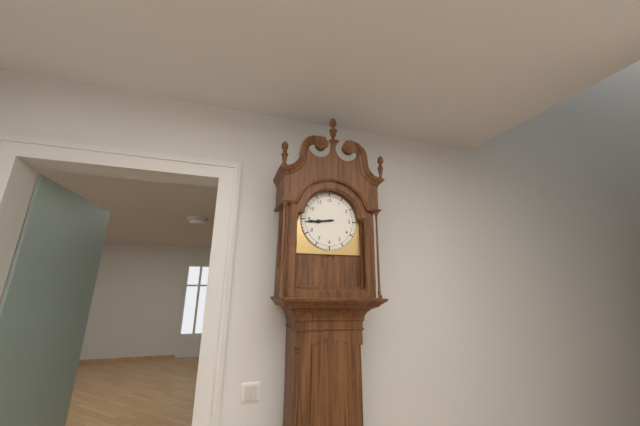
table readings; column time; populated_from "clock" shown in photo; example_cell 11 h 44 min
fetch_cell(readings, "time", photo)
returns 8 h 44 min
